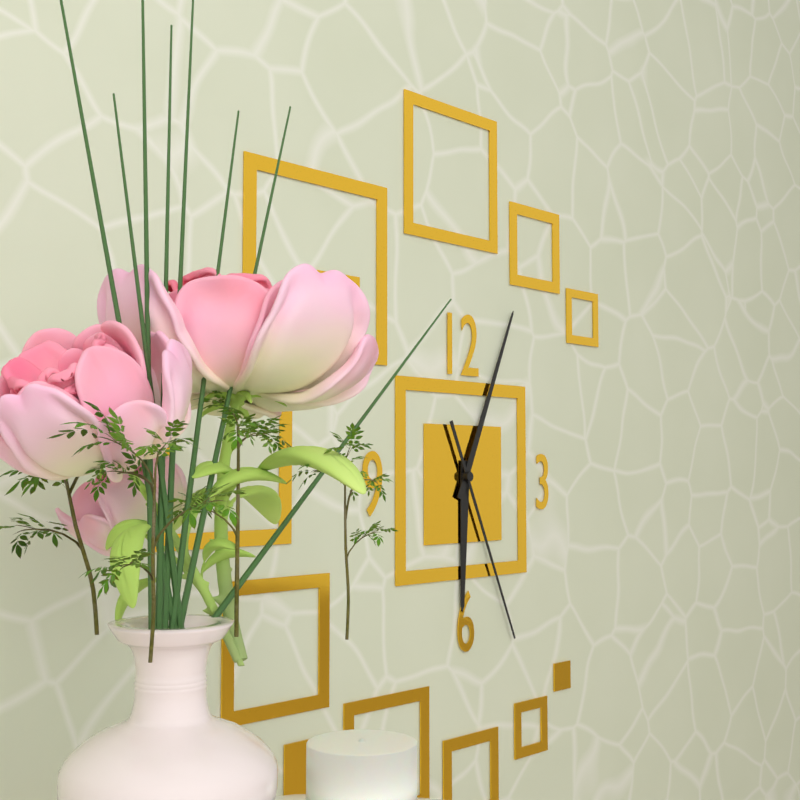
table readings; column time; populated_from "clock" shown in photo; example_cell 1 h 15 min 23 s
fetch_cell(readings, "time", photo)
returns 6 h 04 min 26 s
